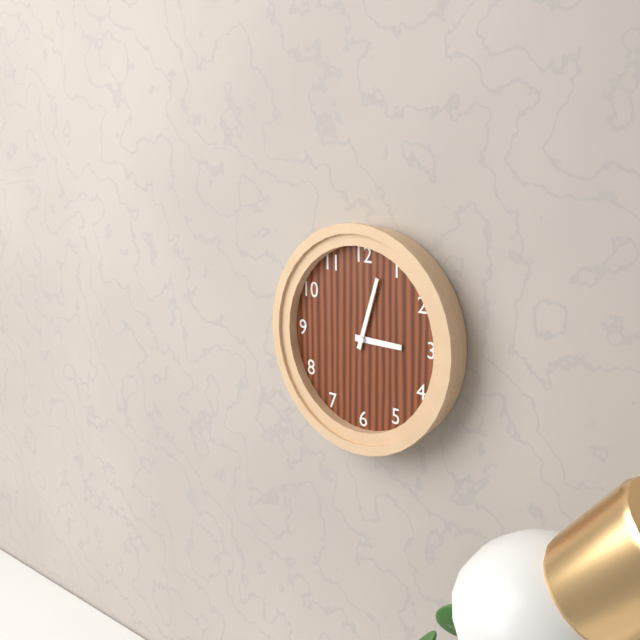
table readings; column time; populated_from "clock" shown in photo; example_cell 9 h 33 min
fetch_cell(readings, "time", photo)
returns 3 h 03 min
